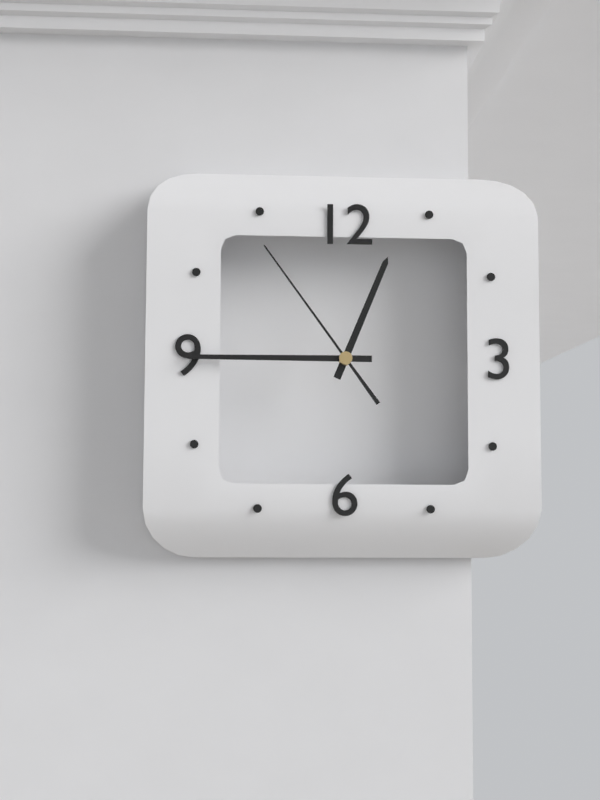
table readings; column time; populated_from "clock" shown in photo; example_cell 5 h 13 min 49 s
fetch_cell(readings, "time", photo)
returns 12 h 45 min 54 s
